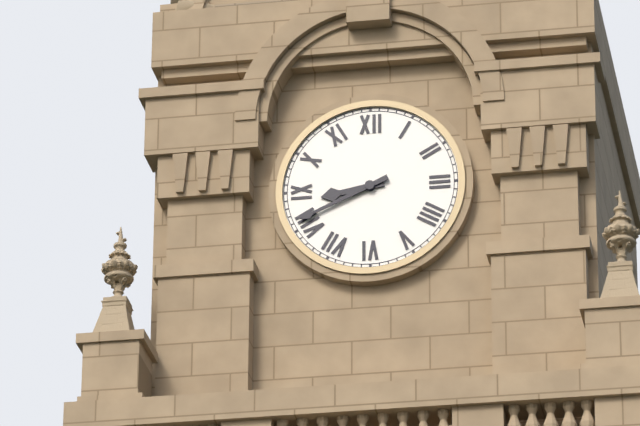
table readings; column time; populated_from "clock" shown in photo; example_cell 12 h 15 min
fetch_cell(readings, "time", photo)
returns 8 h 41 min
